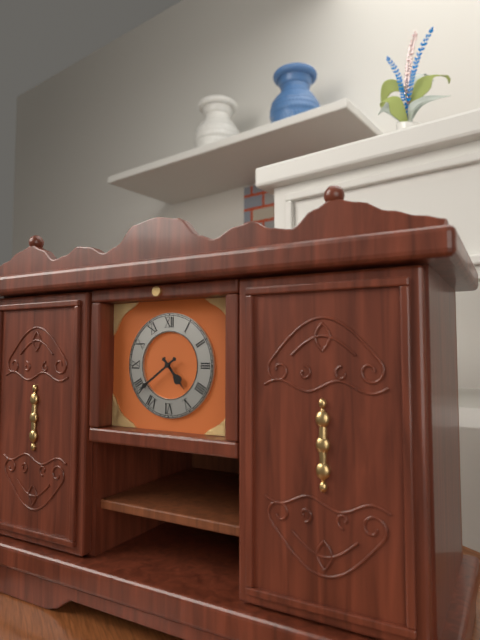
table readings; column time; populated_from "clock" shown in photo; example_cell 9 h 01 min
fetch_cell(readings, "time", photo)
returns 4 h 39 min
